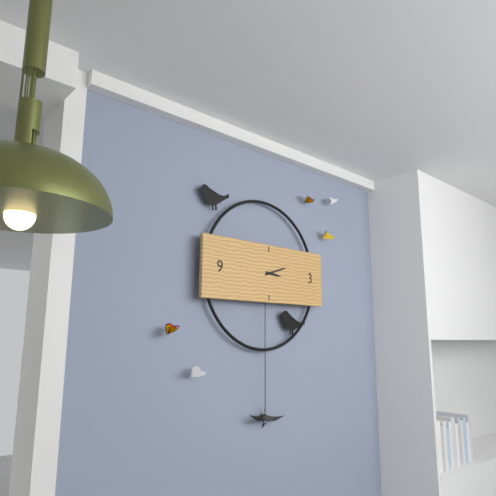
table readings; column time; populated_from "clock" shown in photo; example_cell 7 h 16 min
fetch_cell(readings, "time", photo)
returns 3 h 12 min
